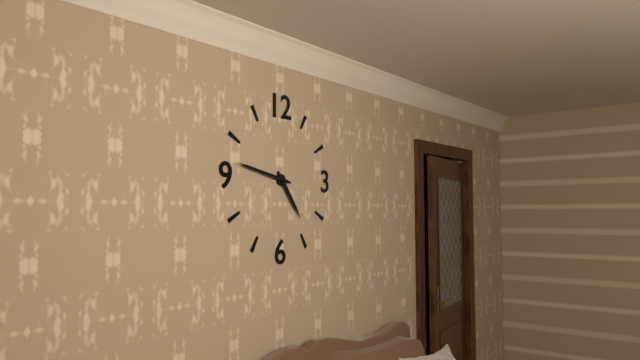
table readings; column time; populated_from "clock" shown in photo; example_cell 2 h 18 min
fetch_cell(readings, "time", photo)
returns 4 h 47 min
